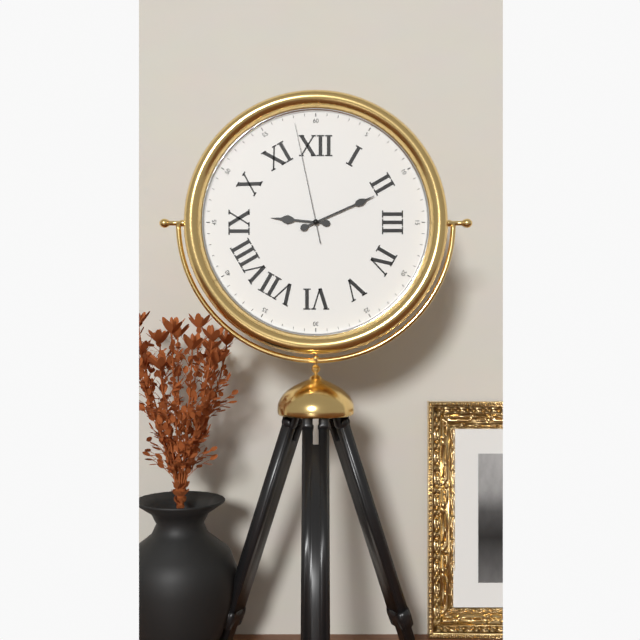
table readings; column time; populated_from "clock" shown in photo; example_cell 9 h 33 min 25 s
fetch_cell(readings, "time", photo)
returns 9 h 11 min 58 s
